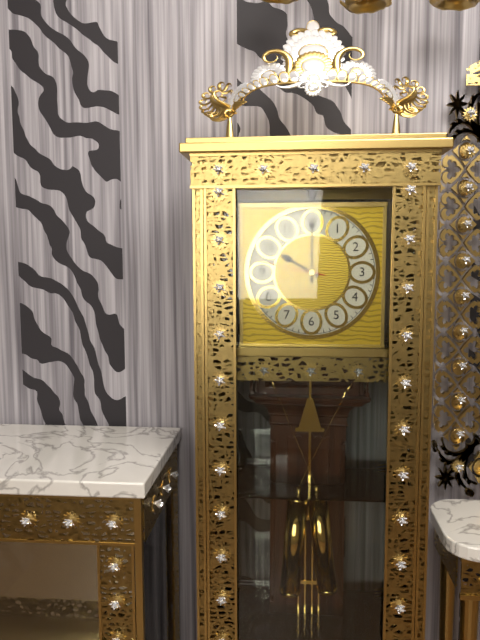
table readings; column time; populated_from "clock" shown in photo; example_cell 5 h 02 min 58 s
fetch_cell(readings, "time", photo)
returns 10 h 00 min 47 s
